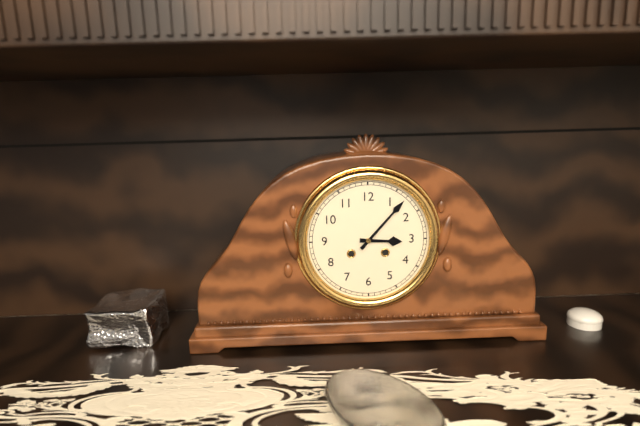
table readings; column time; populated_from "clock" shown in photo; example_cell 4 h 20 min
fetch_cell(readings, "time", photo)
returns 3 h 07 min
